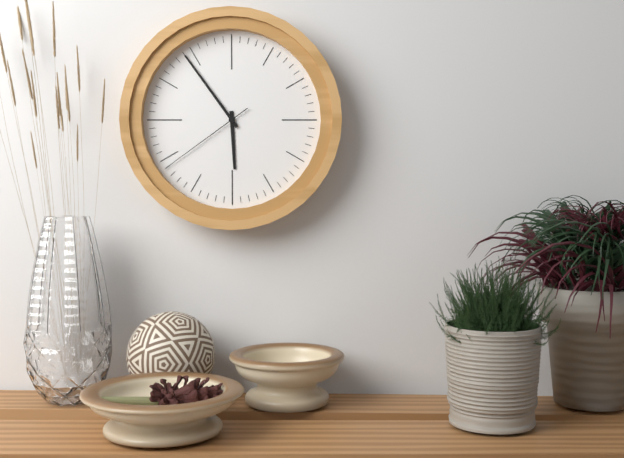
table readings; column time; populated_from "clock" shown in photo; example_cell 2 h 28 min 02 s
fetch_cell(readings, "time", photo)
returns 5 h 54 min 39 s
